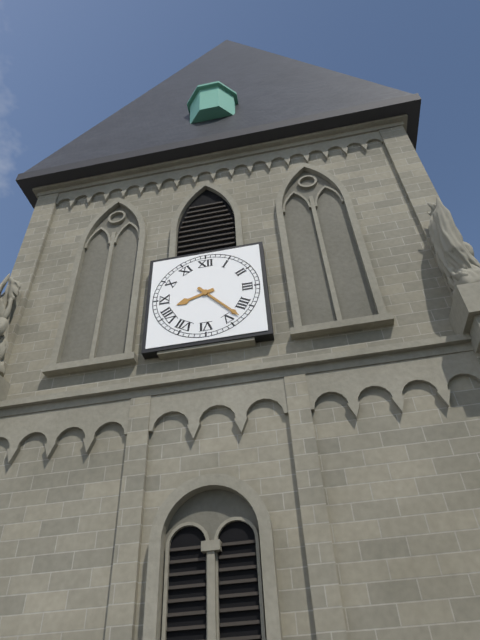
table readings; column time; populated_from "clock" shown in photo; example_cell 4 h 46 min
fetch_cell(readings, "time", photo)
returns 8 h 23 min
